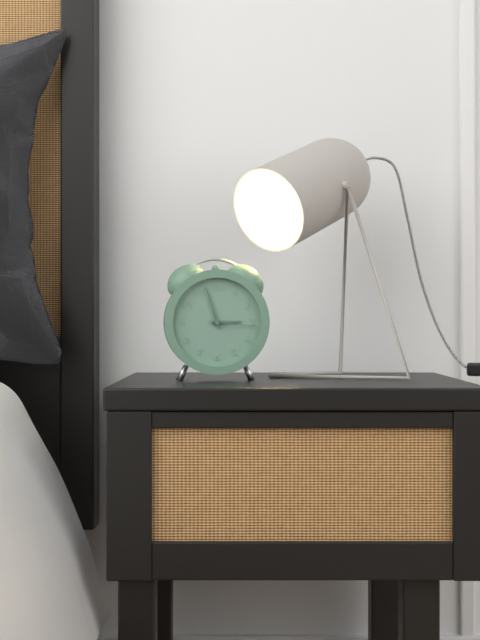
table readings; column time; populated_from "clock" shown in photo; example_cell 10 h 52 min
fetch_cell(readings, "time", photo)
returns 2 h 57 min
